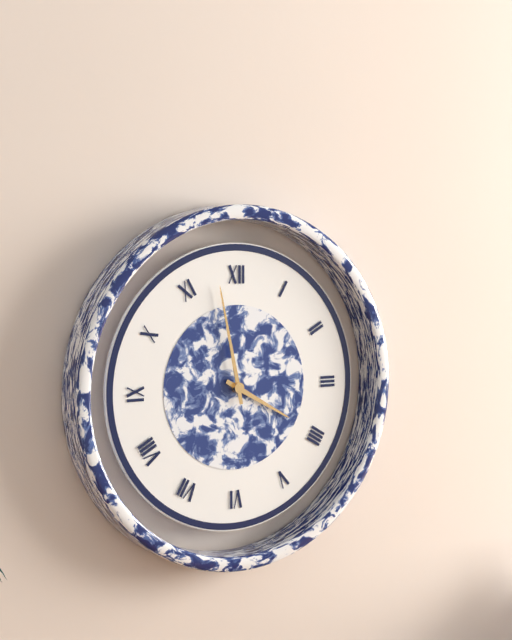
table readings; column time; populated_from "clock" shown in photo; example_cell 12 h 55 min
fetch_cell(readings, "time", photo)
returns 3 h 58 min
